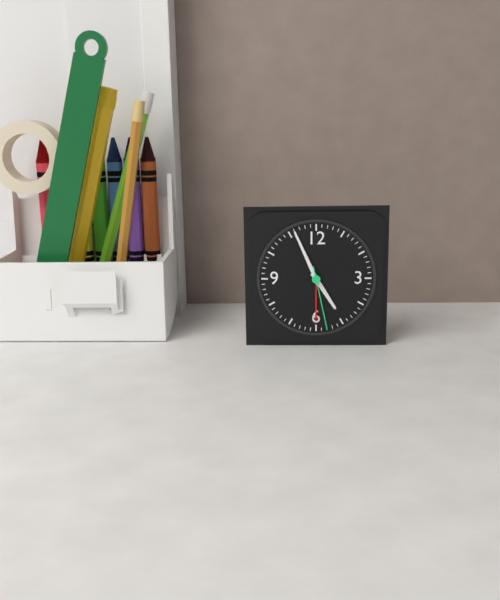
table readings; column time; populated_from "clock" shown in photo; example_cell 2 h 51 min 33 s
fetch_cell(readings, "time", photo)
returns 4 h 56 min 28 s
